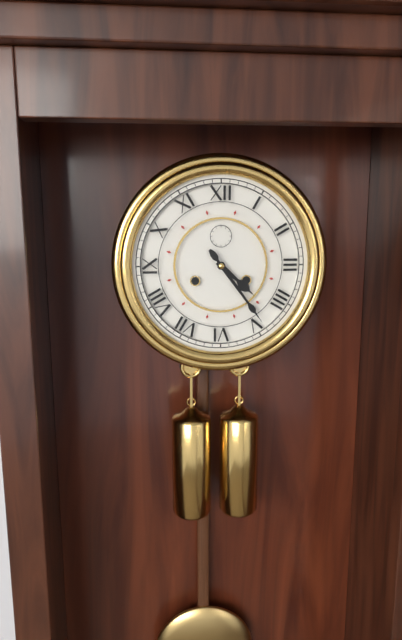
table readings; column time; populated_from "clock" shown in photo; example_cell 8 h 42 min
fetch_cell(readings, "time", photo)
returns 4 h 24 min
